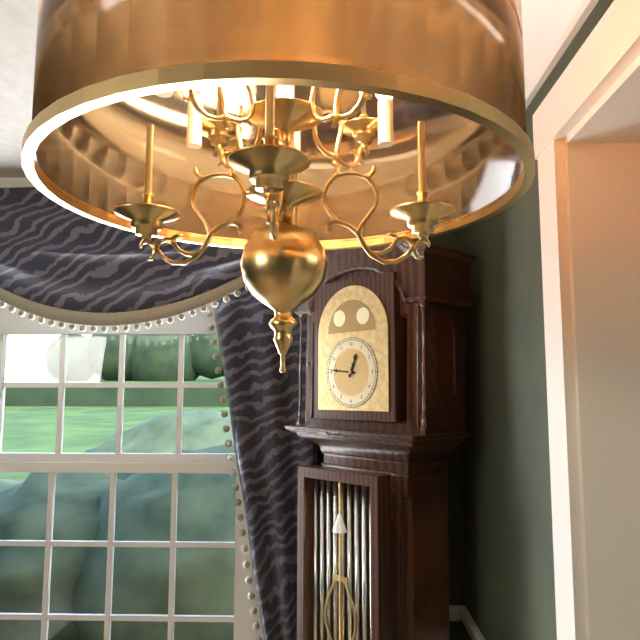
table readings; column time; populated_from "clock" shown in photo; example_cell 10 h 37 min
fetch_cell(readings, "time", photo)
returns 12 h 46 min
